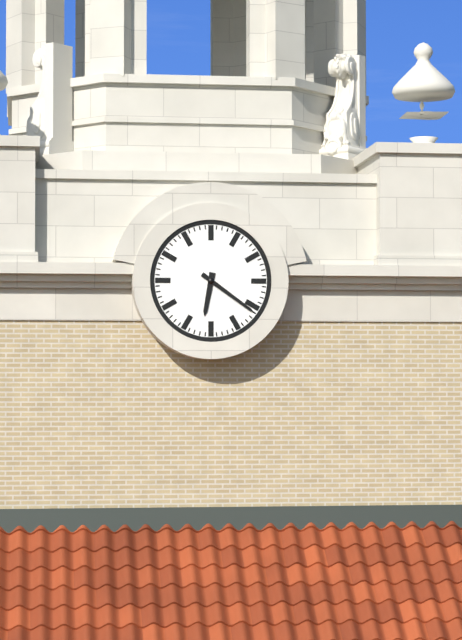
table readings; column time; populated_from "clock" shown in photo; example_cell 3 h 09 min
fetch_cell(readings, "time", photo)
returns 6 h 21 min
